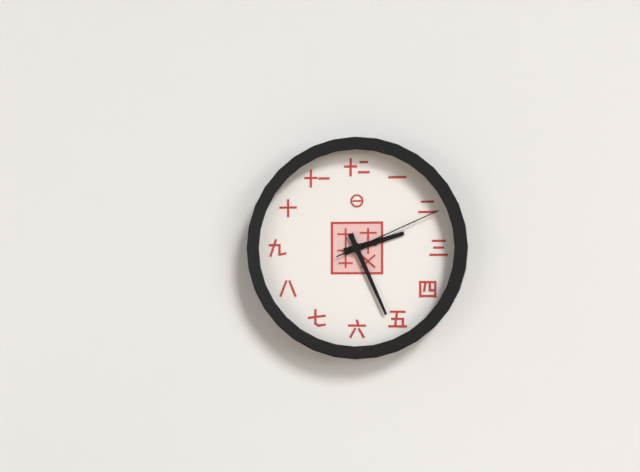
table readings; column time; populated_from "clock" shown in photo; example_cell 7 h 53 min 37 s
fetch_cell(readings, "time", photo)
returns 2 h 26 min 11 s
